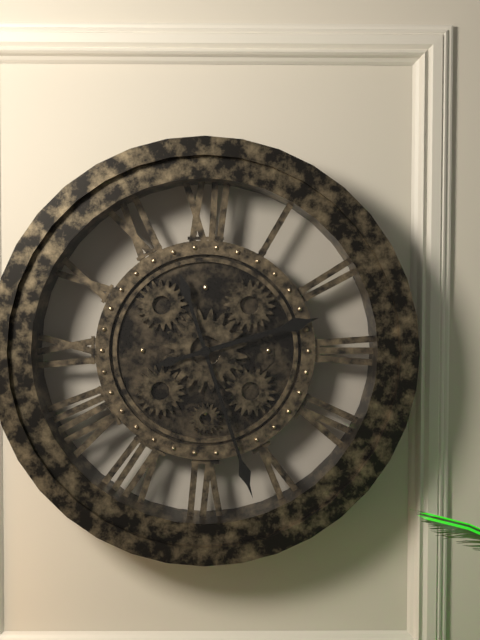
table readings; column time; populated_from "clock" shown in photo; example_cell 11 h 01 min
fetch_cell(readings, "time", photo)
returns 2 h 27 min
